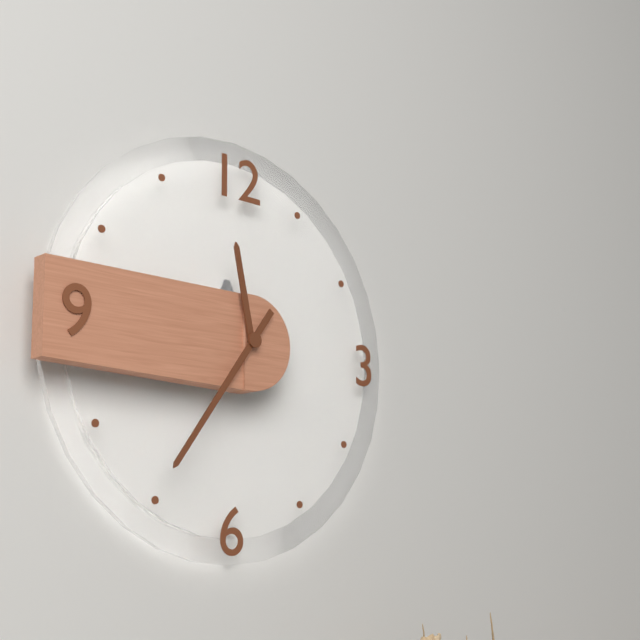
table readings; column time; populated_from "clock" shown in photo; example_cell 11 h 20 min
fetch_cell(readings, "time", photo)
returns 11 h 36 min
